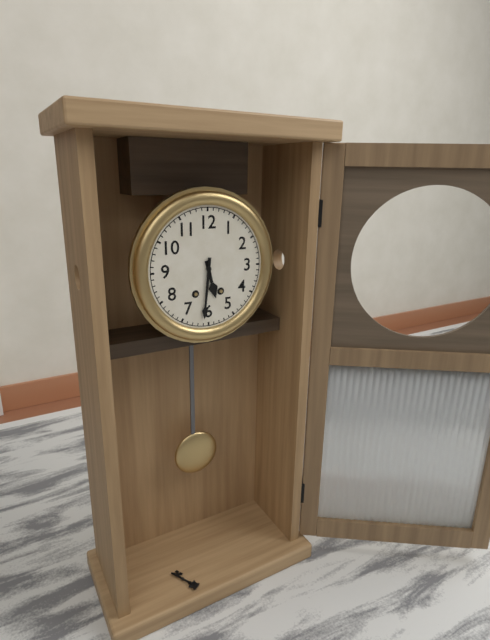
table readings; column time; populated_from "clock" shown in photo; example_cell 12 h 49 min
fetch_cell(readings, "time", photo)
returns 5 h 31 min
